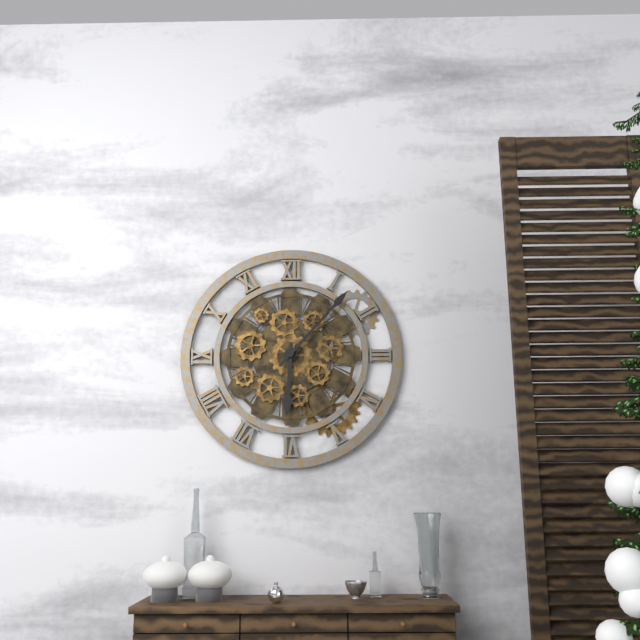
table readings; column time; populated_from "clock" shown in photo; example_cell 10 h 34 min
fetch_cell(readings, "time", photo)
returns 6 h 07 min
